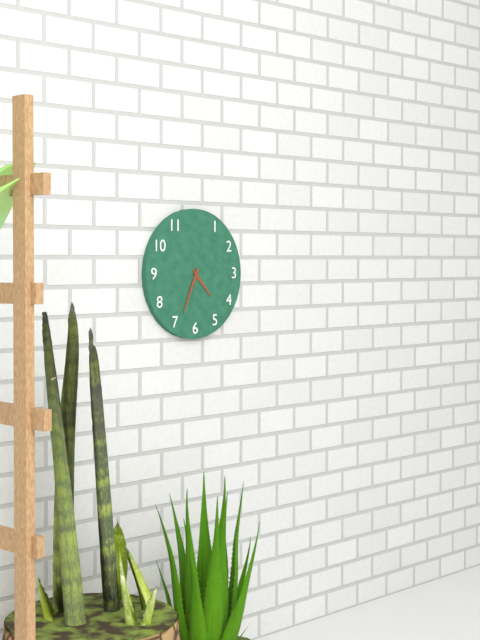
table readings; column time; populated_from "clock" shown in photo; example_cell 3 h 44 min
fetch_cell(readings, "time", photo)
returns 4 h 34 min
